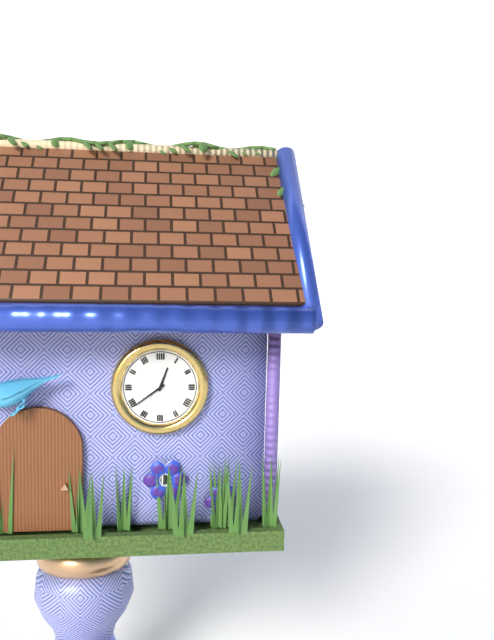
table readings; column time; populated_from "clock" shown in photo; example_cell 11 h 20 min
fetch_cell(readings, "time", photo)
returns 12 h 39 min
